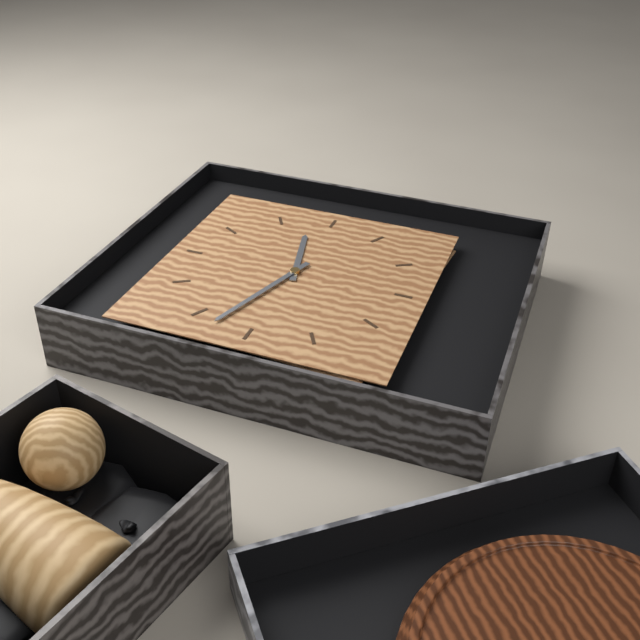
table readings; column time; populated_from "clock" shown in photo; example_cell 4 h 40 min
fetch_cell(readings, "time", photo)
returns 11 h 33 min
